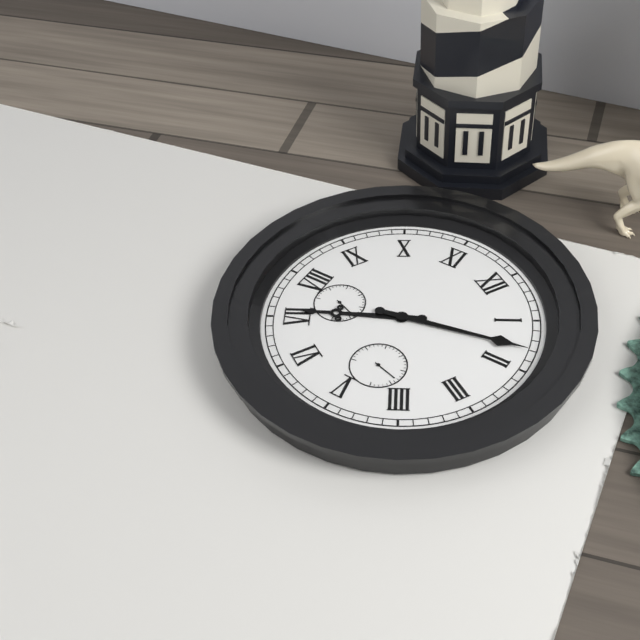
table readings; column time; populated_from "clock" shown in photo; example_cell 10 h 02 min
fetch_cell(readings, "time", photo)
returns 7 h 08 min
